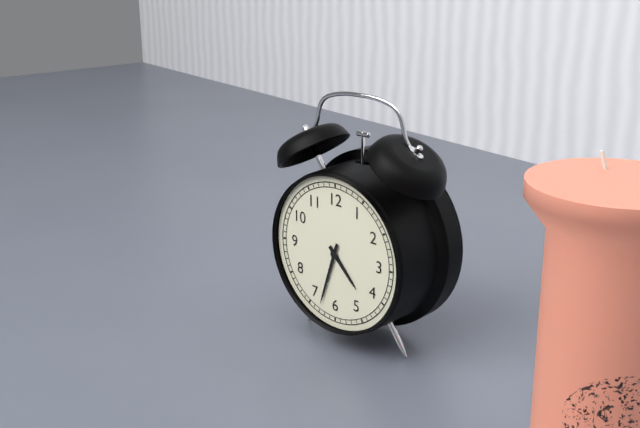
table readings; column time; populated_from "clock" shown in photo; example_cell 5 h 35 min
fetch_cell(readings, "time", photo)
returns 4 h 33 min
